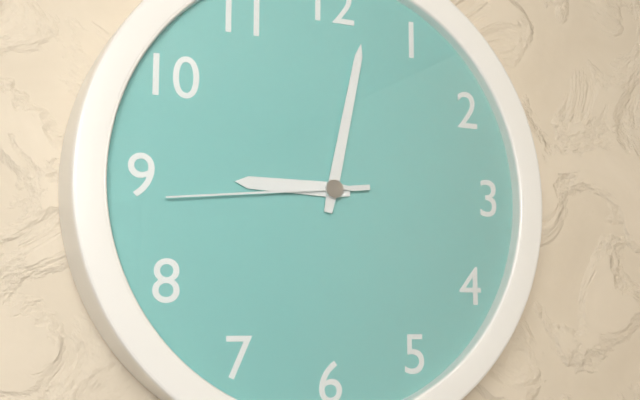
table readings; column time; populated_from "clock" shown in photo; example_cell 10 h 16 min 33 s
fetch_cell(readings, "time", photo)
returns 9 h 02 min 44 s
